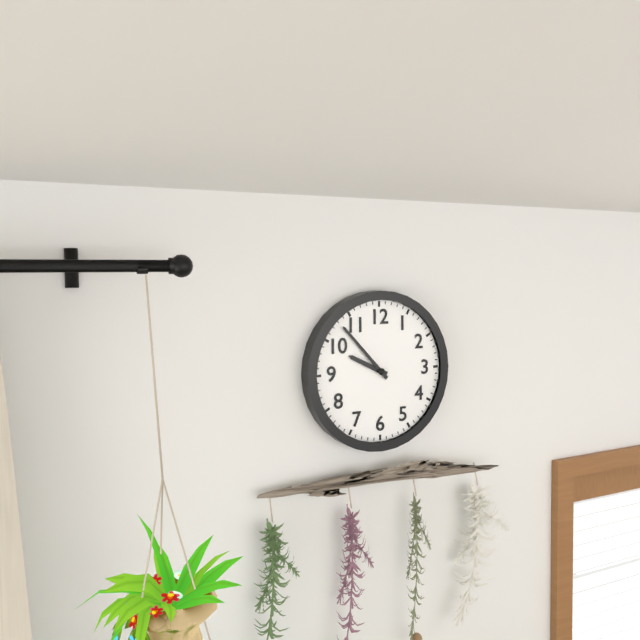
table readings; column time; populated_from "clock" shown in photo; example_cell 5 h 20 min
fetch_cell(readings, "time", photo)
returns 9 h 53 min
